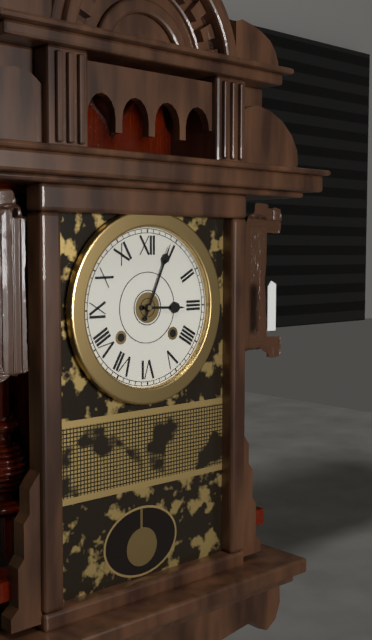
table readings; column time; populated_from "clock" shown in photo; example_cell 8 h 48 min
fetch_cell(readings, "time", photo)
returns 3 h 04 min
